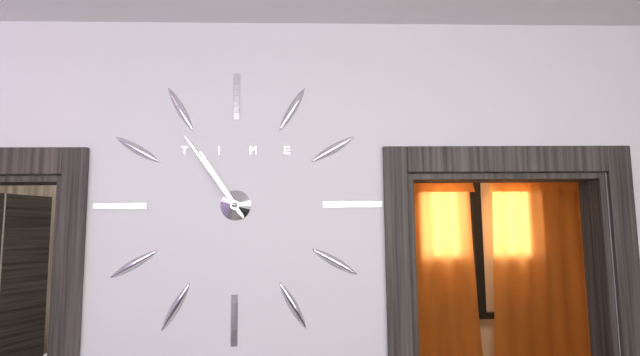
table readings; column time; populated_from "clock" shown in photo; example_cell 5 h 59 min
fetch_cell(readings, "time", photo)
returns 10 h 54 min
